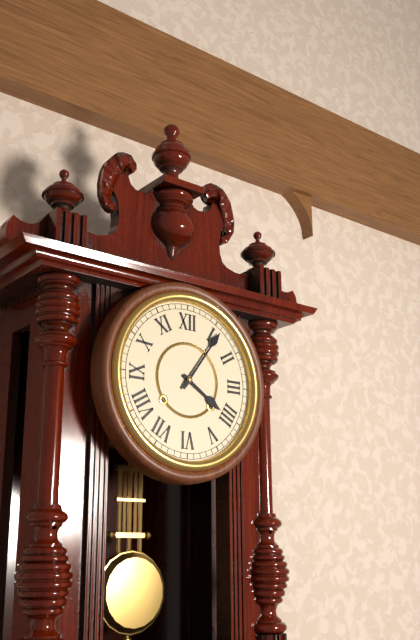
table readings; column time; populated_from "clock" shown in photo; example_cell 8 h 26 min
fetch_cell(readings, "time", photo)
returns 4 h 06 min
